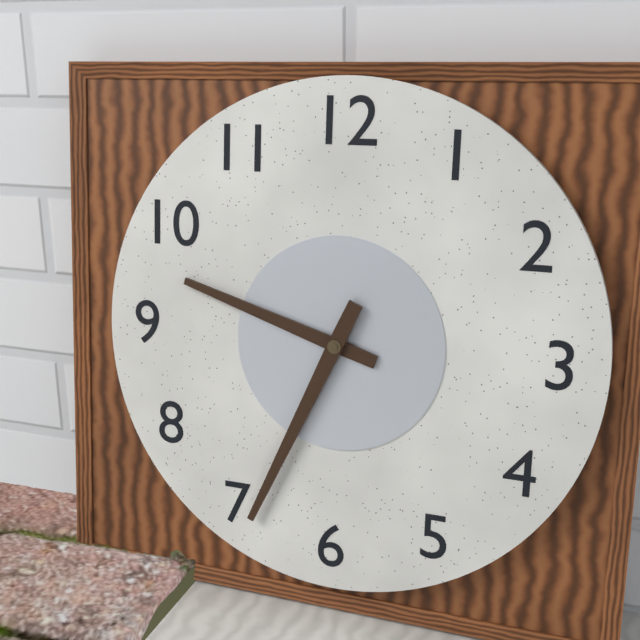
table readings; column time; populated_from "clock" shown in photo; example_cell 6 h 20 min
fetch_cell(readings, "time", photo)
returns 9 h 34 min
